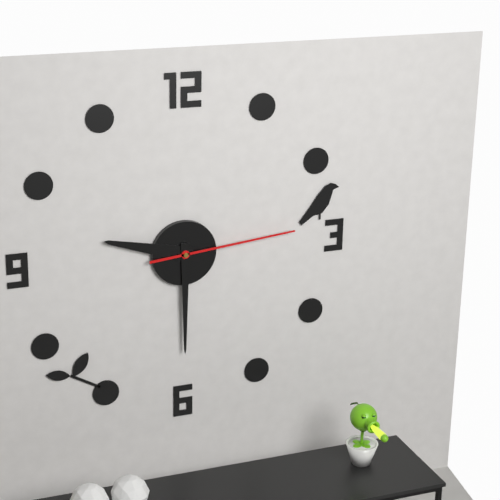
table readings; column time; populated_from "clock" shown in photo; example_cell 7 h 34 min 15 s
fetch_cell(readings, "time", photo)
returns 9 h 30 min 14 s
